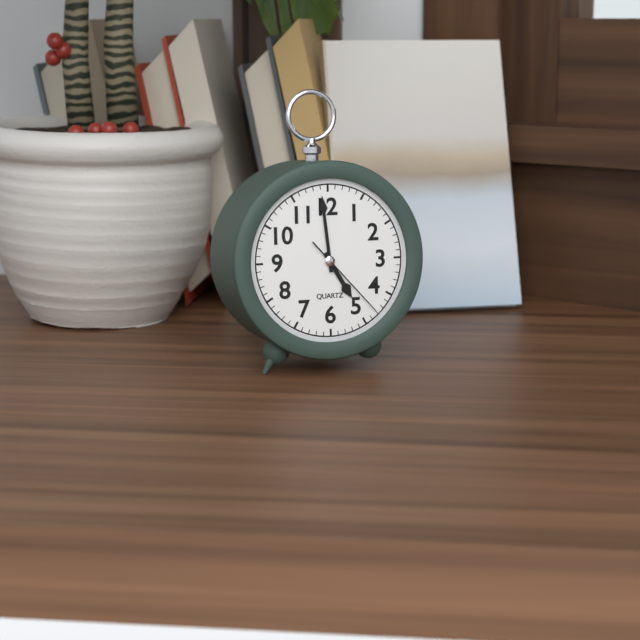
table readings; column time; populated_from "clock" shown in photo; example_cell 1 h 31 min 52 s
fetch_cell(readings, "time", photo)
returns 4 h 59 min 23 s
